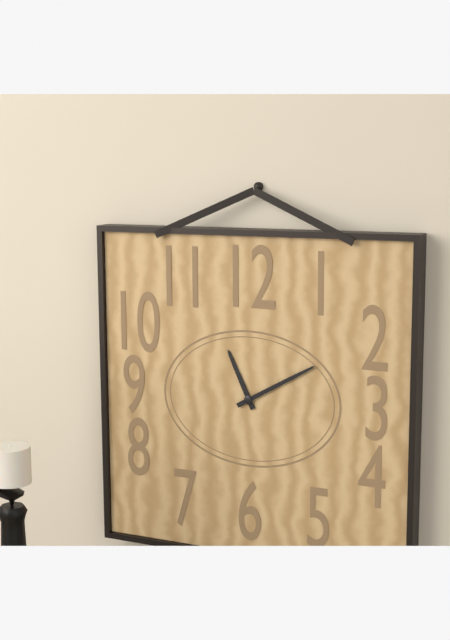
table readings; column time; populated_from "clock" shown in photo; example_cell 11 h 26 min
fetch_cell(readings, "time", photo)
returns 11 h 10 min
